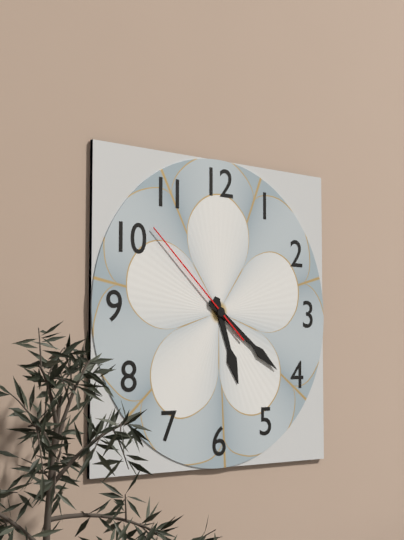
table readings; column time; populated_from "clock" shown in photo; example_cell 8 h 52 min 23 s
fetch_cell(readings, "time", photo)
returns 5 h 21 min 52 s
